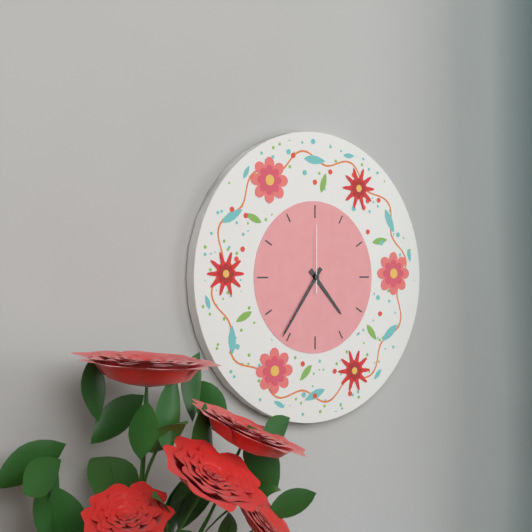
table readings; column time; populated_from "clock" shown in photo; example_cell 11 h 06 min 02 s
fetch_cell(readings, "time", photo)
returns 4 h 36 min 00 s
